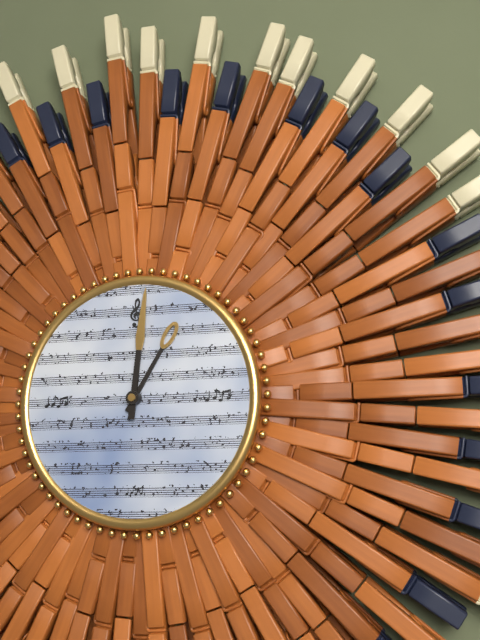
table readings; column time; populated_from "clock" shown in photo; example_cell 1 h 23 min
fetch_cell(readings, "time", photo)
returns 1 h 01 min
